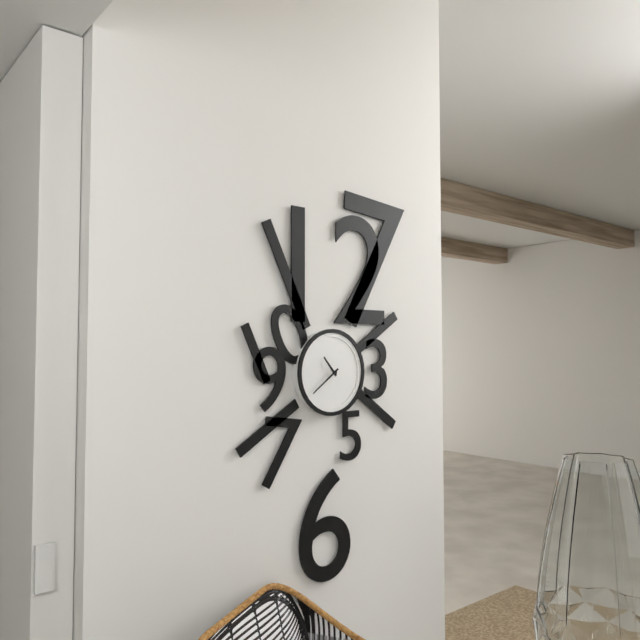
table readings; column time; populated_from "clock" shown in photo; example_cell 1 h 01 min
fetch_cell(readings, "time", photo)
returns 10 h 39 min
